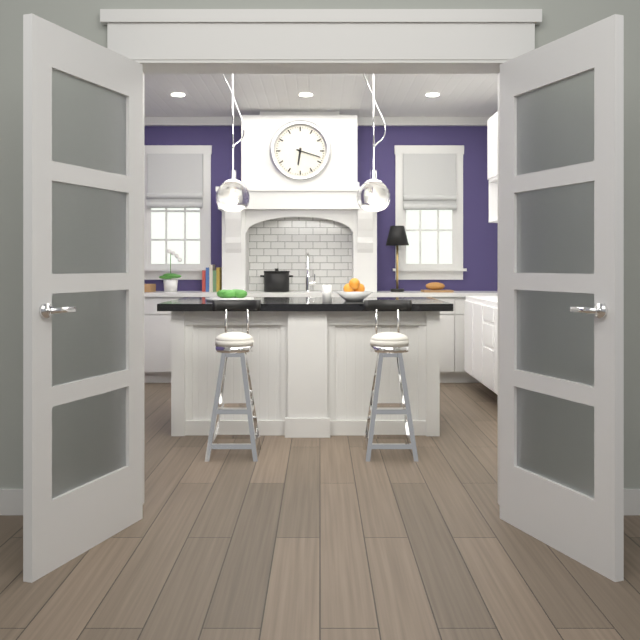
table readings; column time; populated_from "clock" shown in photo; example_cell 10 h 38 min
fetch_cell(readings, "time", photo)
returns 6 h 18 min
